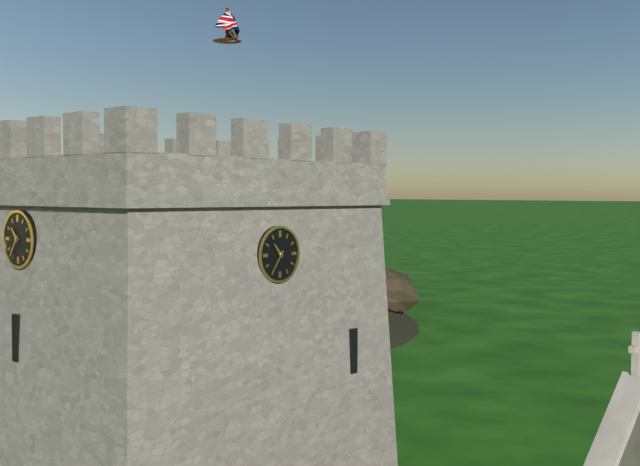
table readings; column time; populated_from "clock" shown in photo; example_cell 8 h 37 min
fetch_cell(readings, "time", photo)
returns 10 h 36 min
